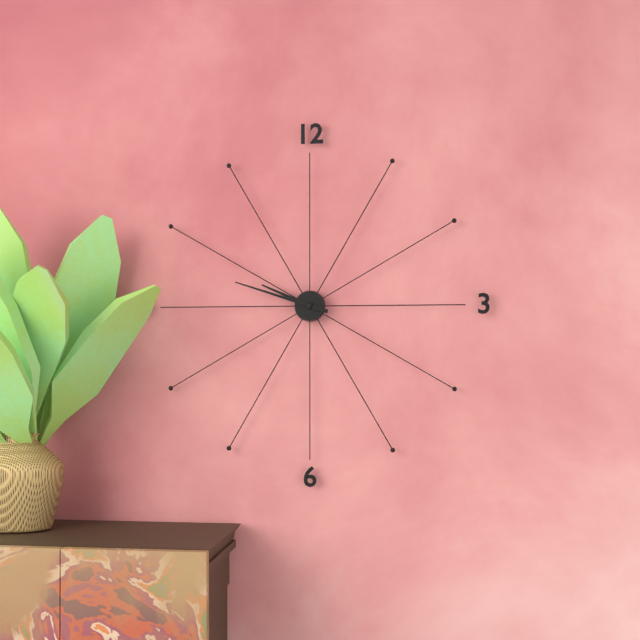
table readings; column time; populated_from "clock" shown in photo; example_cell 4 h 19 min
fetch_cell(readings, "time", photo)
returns 9 h 48 min
